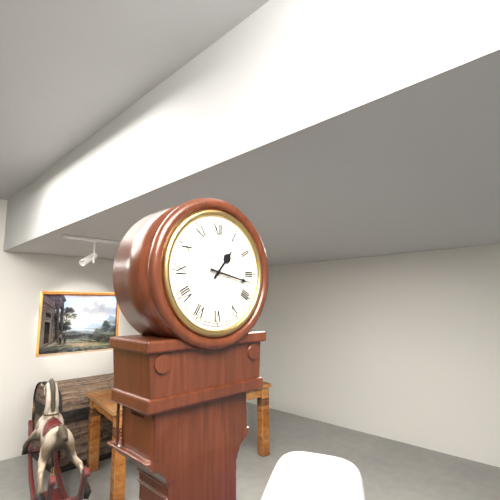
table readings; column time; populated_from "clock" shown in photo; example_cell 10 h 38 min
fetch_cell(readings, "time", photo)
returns 1 h 17 min
